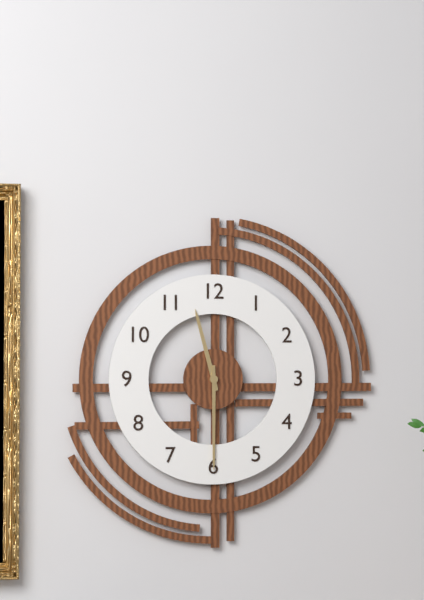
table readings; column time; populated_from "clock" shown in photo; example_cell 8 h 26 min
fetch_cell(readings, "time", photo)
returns 11 h 30 min
